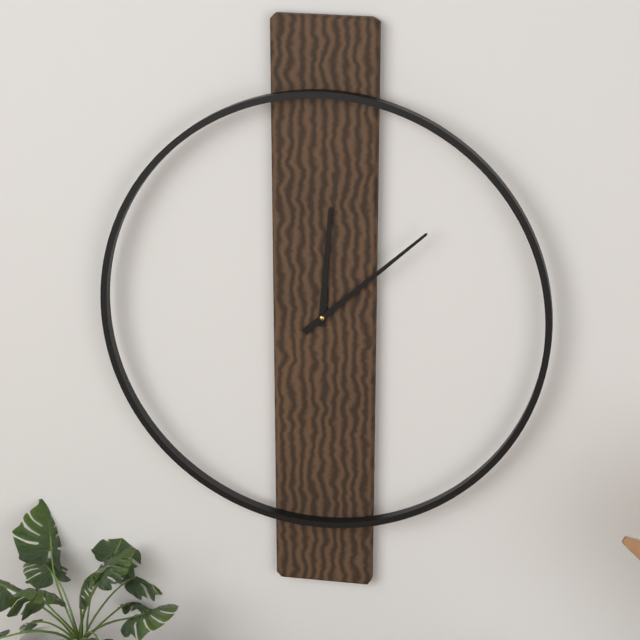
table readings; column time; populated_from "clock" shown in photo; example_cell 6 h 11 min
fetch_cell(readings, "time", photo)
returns 12 h 08 min
